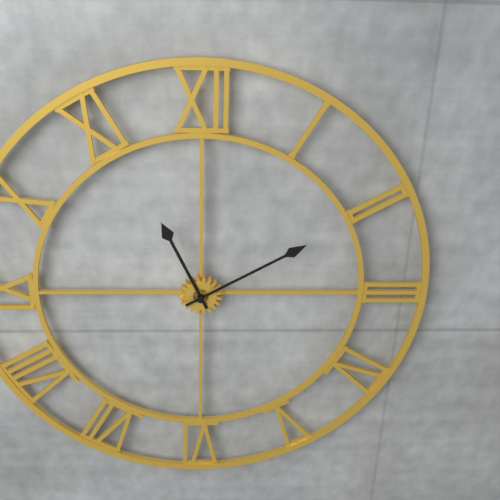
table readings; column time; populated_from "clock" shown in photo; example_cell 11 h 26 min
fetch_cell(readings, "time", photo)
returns 11 h 10 min
